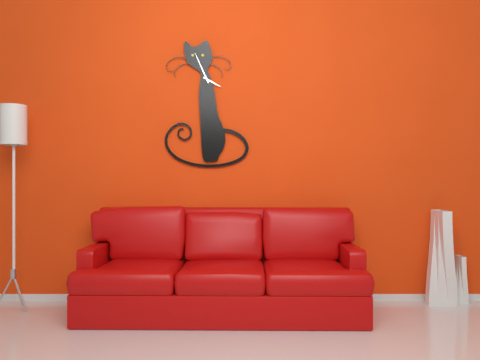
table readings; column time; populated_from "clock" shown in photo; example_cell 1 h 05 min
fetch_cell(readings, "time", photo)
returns 3 h 56 min
